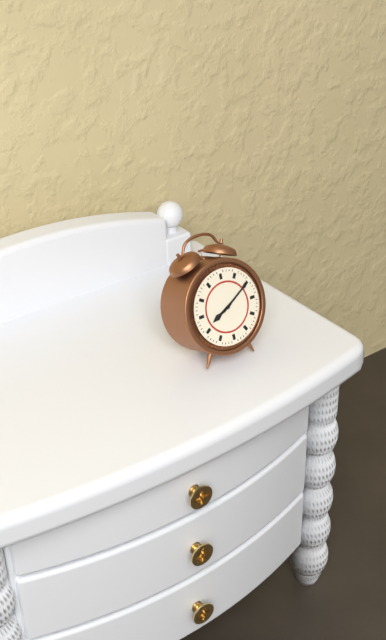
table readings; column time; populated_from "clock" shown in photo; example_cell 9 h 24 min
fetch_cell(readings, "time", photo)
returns 8 h 10 min
